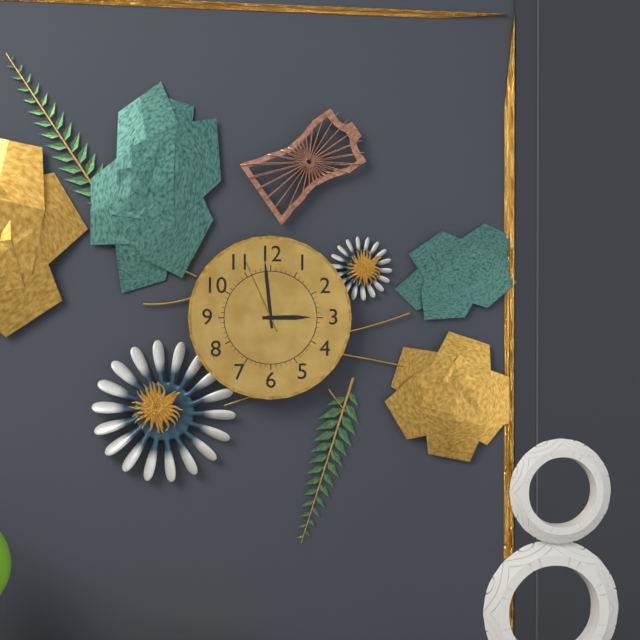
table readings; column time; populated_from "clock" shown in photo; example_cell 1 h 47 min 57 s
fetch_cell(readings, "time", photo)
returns 2 h 59 min 56 s
